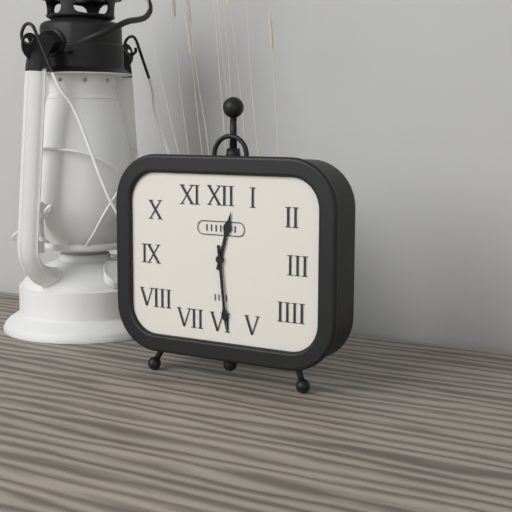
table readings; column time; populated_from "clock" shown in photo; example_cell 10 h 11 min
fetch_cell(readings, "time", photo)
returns 12 h 29 min
